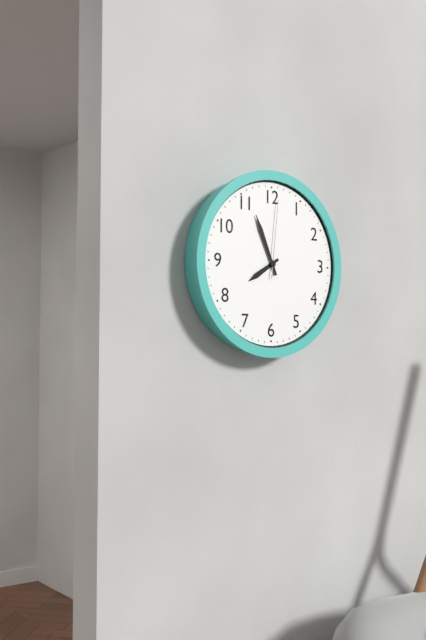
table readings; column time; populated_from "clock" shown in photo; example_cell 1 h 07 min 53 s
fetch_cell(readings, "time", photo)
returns 7 h 56 min 01 s
